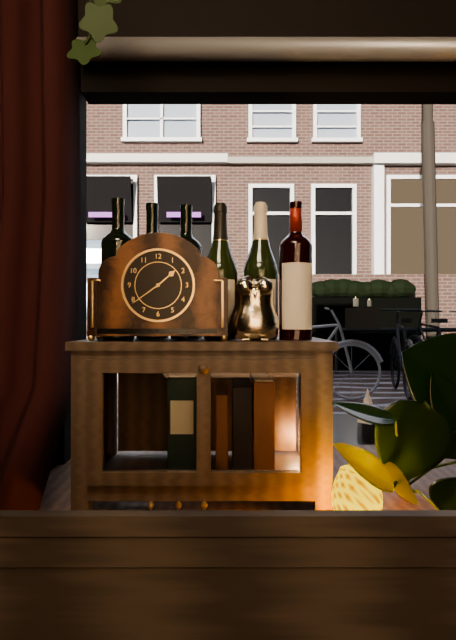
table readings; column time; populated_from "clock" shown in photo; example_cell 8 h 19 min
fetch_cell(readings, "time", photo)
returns 1 h 39 min
